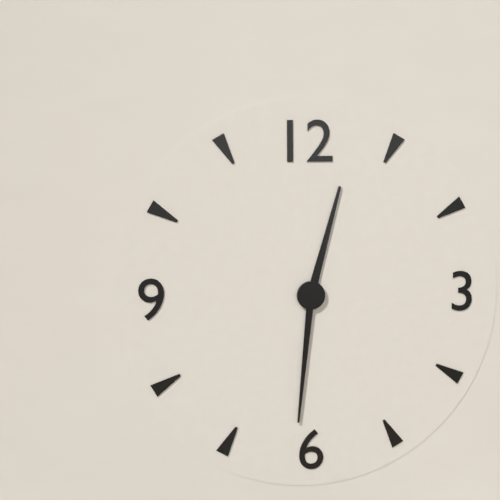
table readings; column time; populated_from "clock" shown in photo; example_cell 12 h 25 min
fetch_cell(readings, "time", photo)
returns 12 h 31 min
